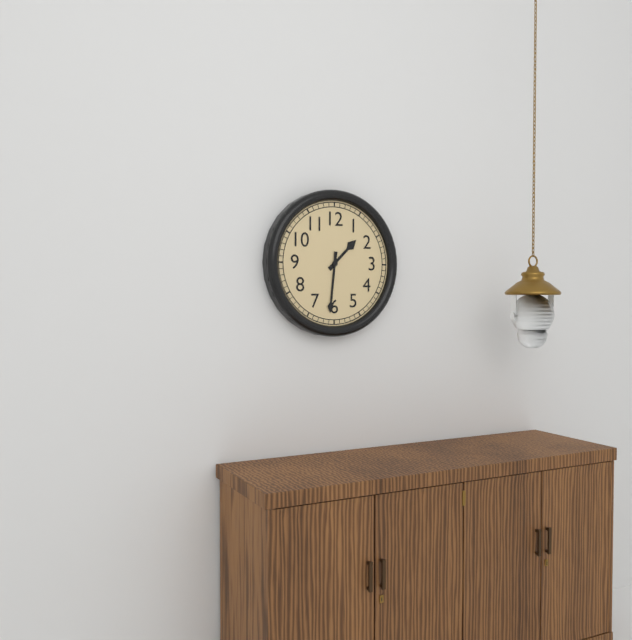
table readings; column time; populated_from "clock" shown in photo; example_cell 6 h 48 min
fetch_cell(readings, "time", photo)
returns 1 h 31 min
